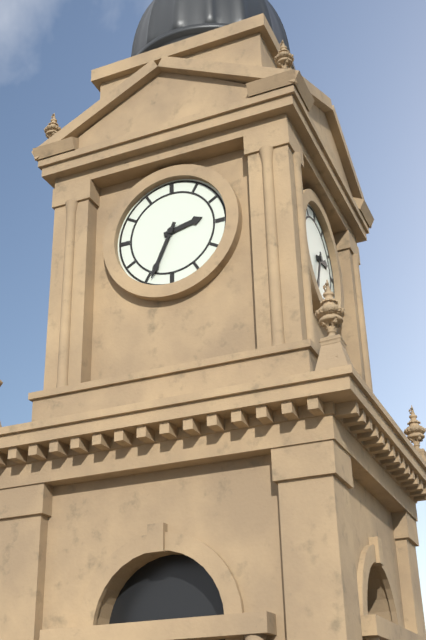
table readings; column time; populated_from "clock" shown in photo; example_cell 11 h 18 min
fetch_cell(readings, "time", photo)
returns 2 h 34 min
